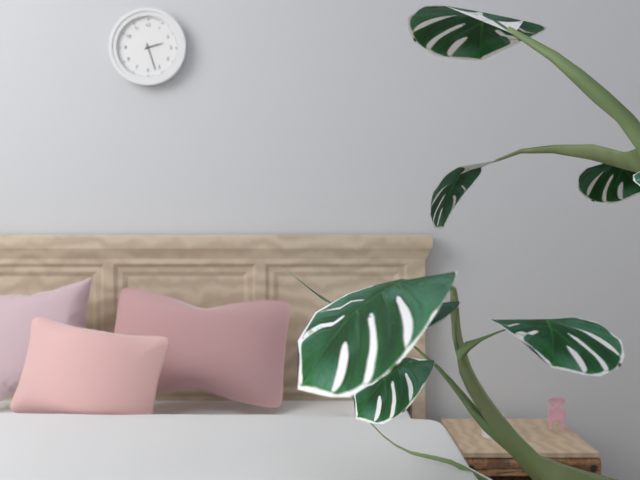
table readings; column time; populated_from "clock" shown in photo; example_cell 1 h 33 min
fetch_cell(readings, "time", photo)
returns 2 h 27 min
